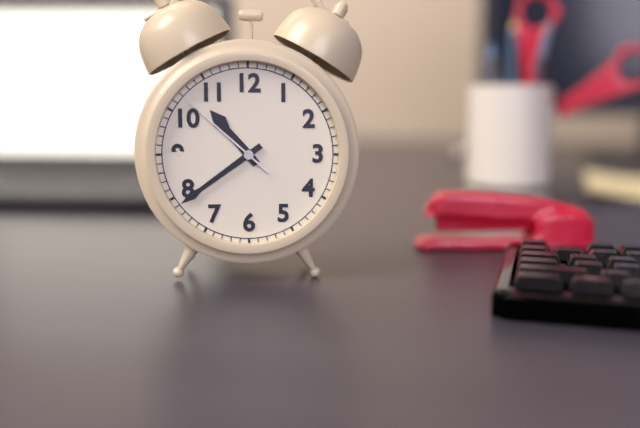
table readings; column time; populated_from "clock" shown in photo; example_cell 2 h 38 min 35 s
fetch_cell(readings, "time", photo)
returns 10 h 39 min 52 s
